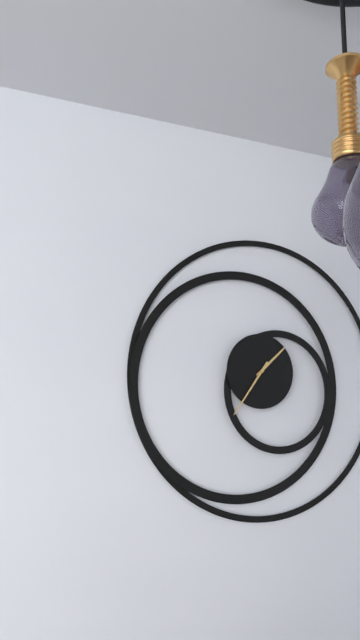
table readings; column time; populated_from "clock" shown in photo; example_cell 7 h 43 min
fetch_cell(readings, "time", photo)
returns 1 h 36 min
